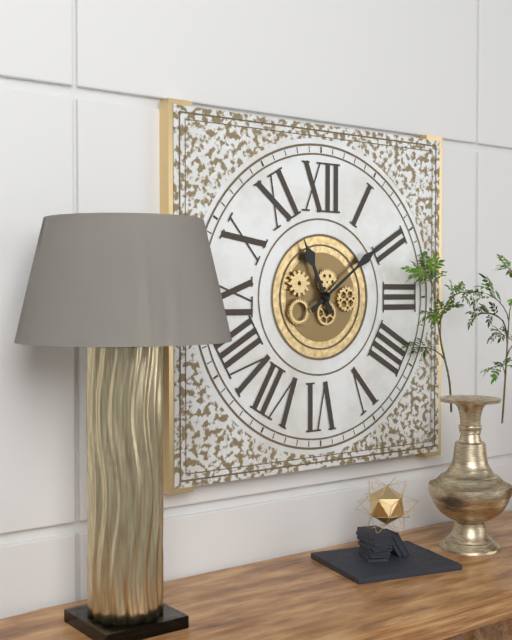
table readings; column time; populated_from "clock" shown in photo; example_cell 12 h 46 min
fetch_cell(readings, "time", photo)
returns 11 h 09 min
